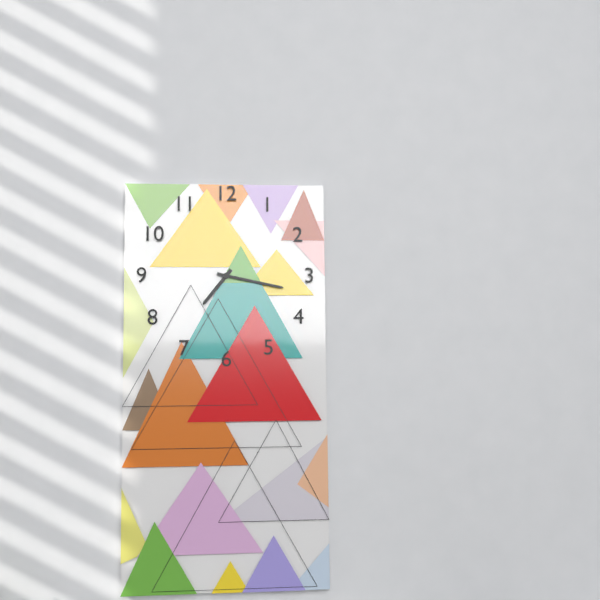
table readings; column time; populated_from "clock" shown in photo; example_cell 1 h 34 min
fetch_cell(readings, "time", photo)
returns 7 h 17 min
